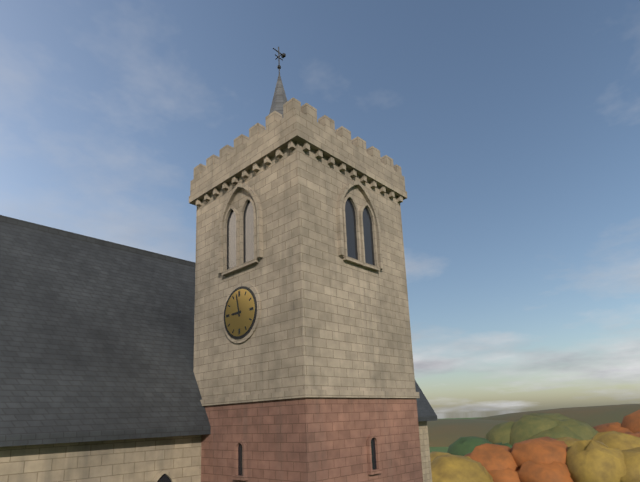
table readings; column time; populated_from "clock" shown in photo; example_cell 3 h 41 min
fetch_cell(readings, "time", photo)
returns 8 h 58 min
